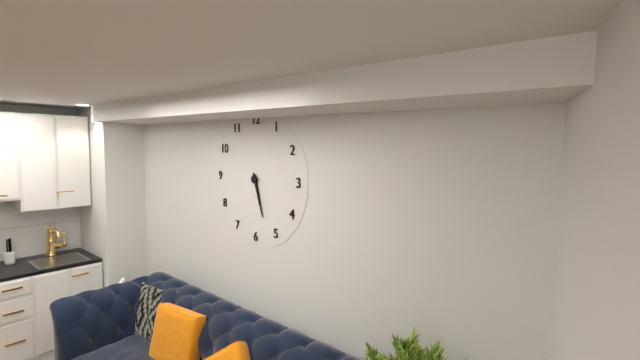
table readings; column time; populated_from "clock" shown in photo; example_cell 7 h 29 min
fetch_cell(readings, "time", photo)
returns 5 h 27 min
